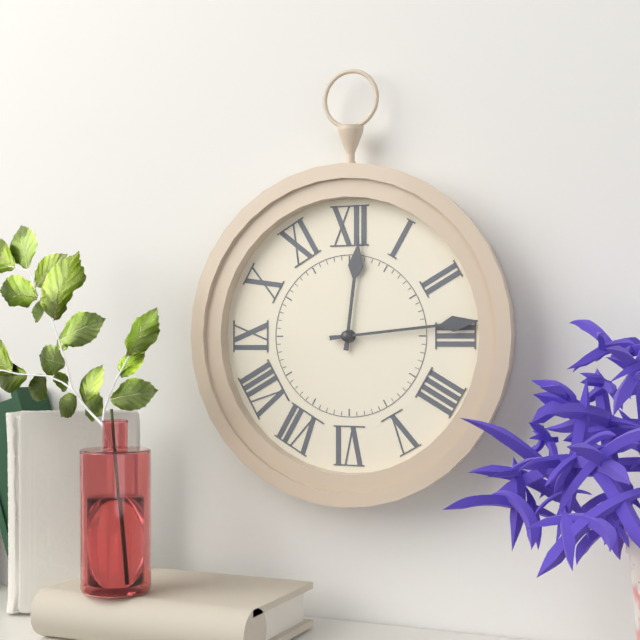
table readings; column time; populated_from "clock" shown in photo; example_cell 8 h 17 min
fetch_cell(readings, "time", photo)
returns 12 h 14 min
